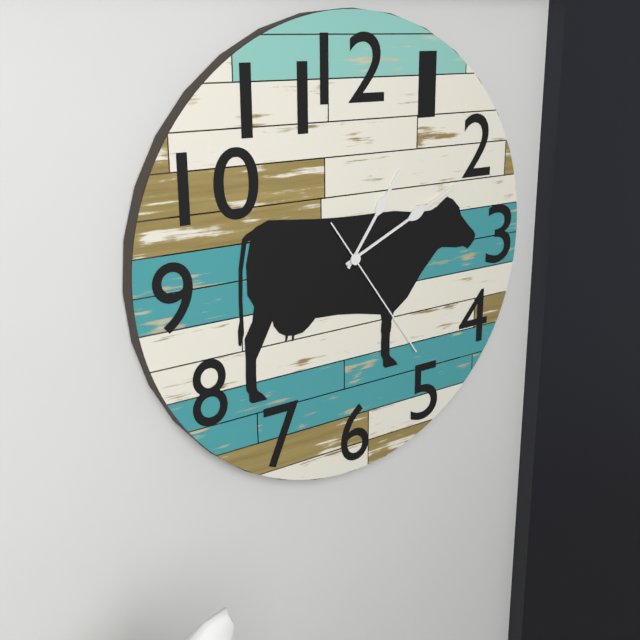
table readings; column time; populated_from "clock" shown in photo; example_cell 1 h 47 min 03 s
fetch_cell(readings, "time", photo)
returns 1 h 11 min 24 s
